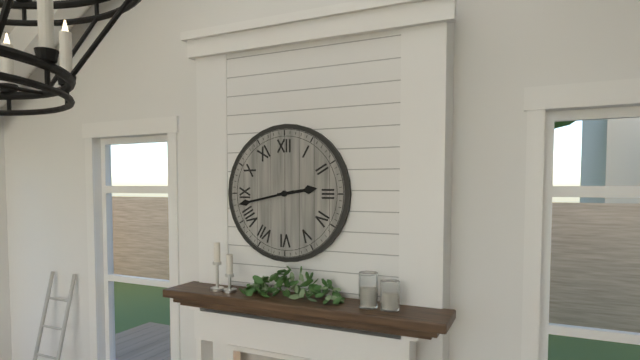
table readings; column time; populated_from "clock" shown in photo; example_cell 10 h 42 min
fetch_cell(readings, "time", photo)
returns 2 h 43 min
